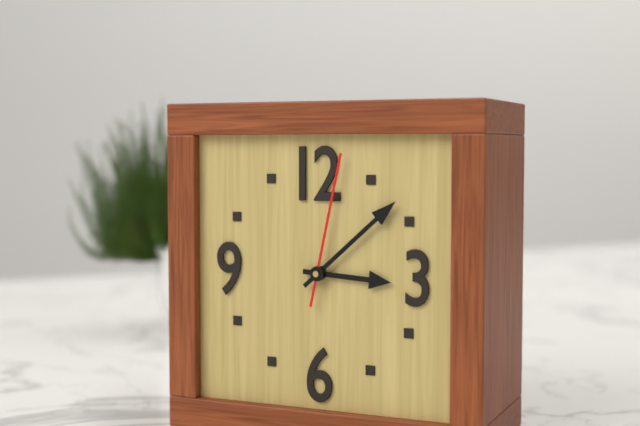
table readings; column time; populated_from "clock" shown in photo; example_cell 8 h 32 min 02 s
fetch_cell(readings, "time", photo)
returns 3 h 08 min 02 s
